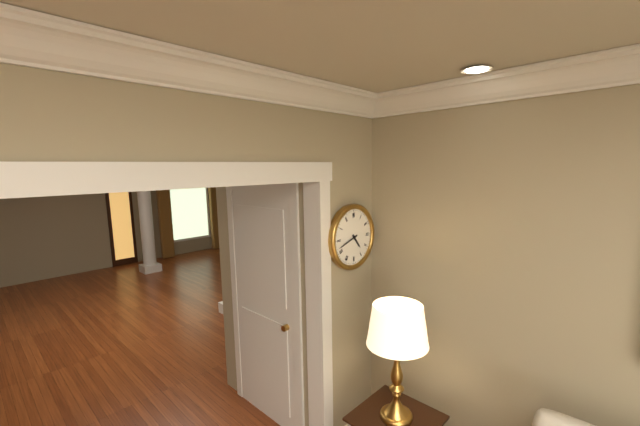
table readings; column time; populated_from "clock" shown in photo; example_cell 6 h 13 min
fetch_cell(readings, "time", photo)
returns 4 h 42 min
